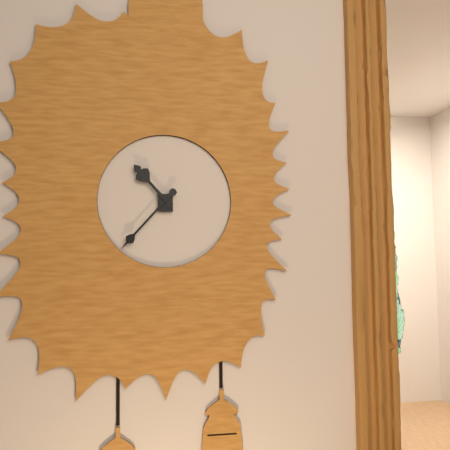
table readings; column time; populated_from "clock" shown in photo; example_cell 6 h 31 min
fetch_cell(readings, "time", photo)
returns 10 h 37 min
